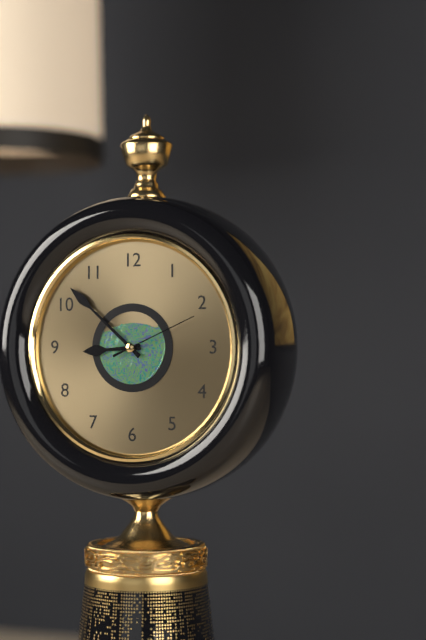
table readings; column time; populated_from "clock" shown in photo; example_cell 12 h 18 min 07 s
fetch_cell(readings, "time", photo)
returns 8 h 52 min 11 s
